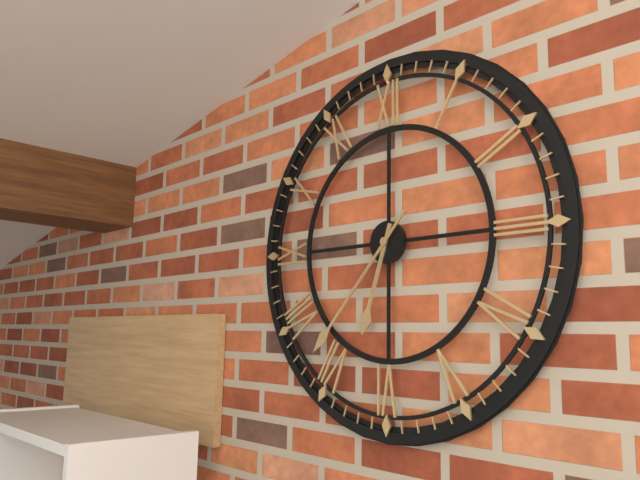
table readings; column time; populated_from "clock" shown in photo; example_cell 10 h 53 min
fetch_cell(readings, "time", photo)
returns 6 h 37 min
